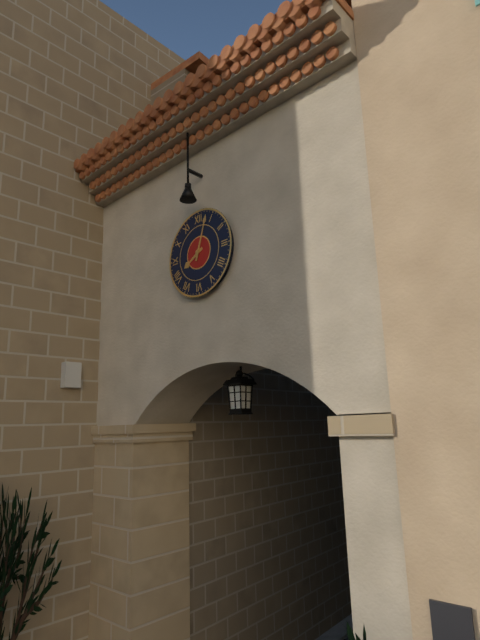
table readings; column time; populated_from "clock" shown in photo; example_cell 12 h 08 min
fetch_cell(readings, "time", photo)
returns 8 h 03 min
